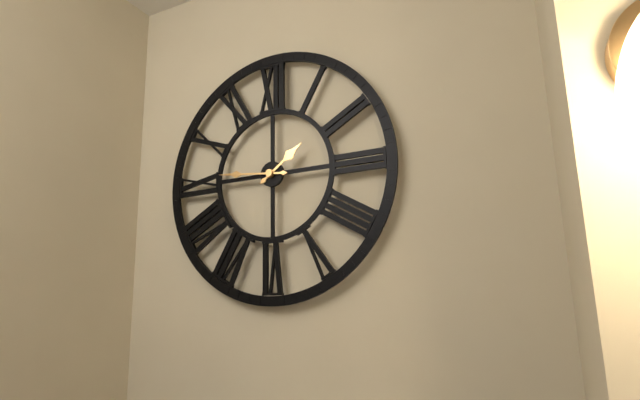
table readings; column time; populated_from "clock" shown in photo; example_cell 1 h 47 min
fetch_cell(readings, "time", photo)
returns 1 h 46 min
